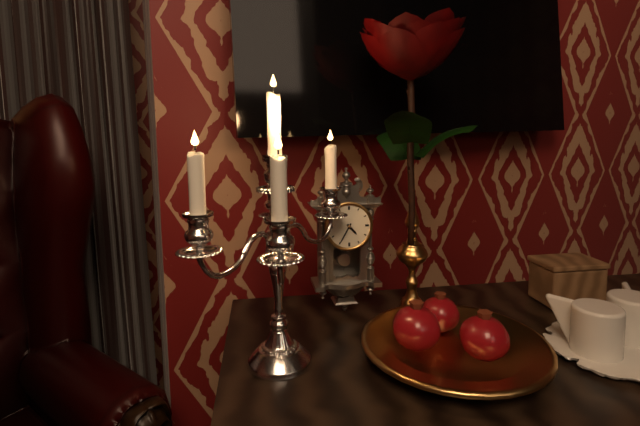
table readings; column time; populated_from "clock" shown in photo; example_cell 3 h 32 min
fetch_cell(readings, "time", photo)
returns 4 h 35 min
